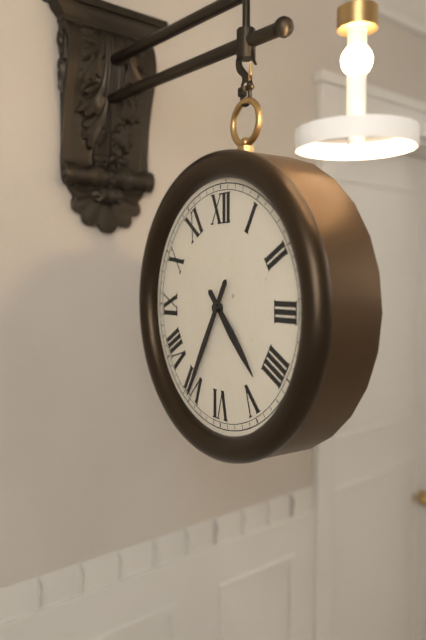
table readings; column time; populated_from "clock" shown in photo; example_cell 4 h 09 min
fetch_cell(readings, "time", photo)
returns 4 h 35 min
